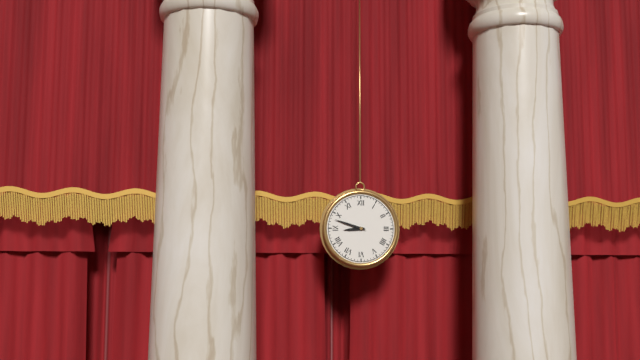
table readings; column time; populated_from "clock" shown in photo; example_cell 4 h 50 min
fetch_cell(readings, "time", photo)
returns 8 h 48 min
